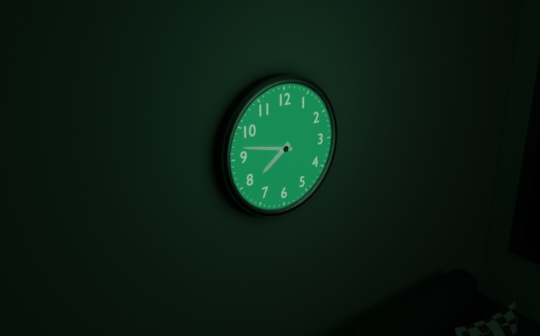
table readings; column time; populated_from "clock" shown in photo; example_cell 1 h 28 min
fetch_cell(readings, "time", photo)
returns 7 h 47 min
